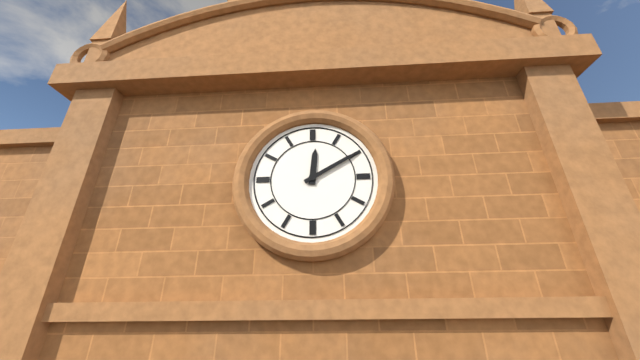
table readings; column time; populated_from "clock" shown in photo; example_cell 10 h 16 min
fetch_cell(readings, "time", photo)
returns 12 h 10 min
